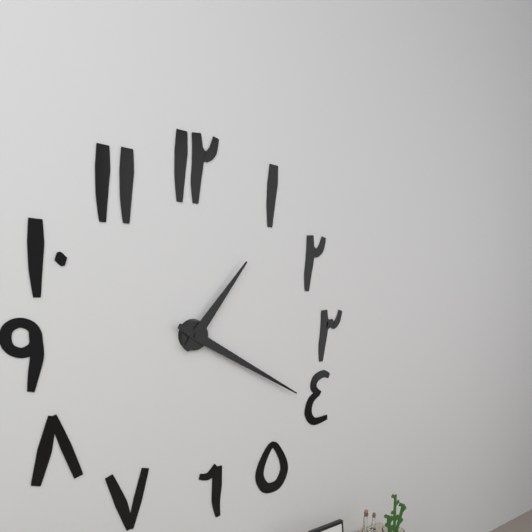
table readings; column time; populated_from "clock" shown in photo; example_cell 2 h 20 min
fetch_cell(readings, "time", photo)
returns 1 h 20 min
